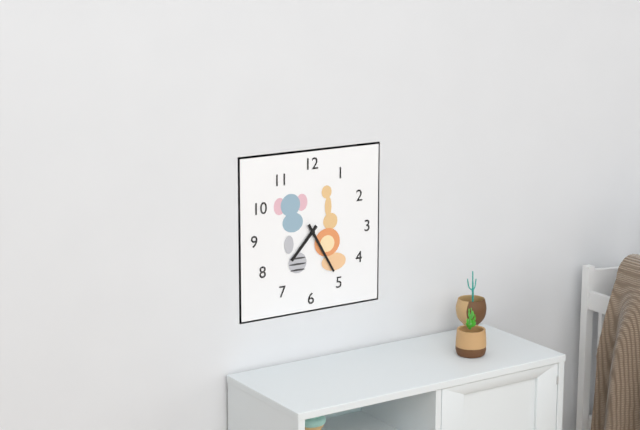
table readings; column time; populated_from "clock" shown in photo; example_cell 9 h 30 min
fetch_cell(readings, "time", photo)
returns 7 h 25 min
